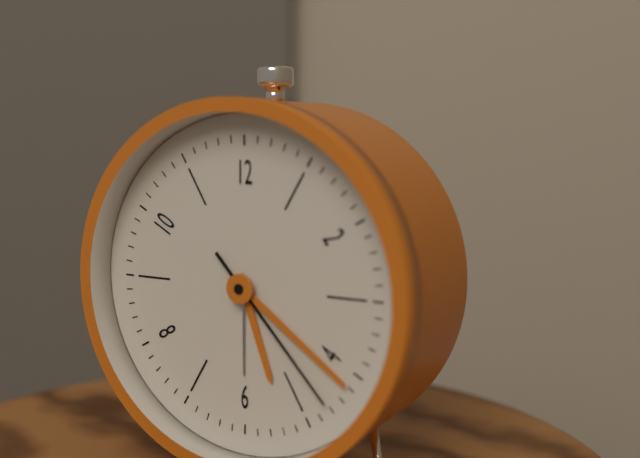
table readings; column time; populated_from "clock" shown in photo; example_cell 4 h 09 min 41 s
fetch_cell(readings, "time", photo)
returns 5 h 21 min 23 s
